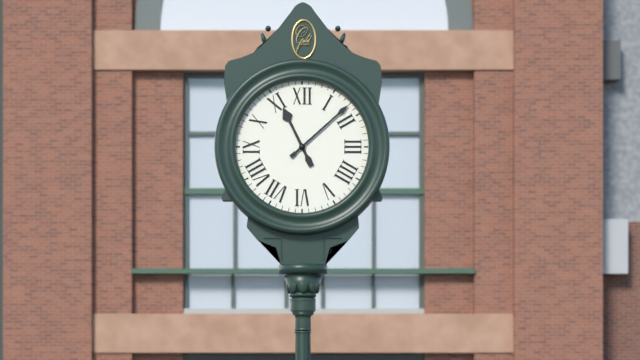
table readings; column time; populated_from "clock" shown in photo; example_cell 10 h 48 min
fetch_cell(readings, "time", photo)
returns 11 h 08 min
